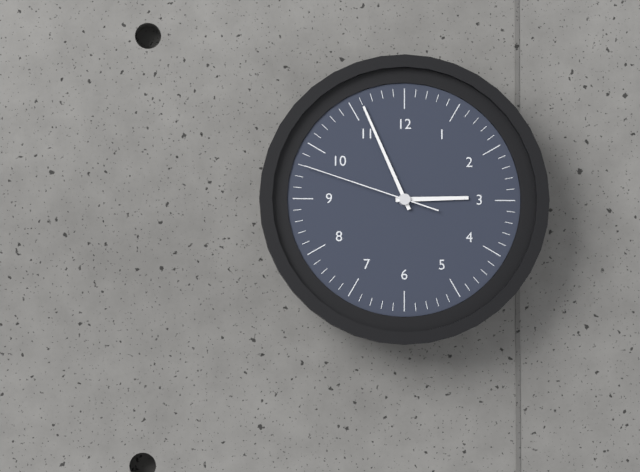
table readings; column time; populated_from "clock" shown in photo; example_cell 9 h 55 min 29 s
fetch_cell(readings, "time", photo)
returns 2 h 56 min 48 s
